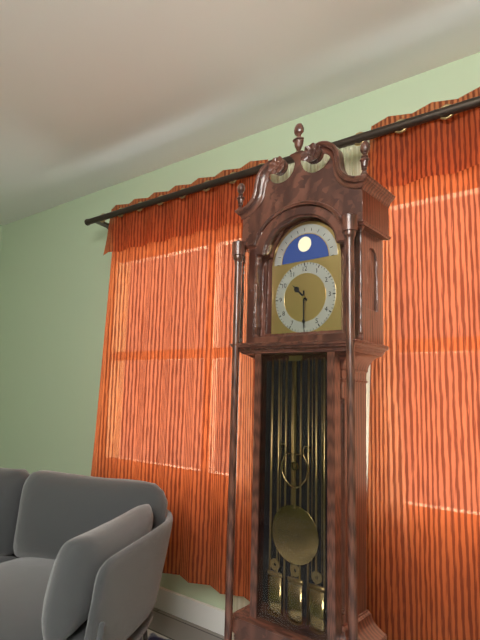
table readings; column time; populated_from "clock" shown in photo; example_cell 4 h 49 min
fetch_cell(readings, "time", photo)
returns 10 h 30 min
